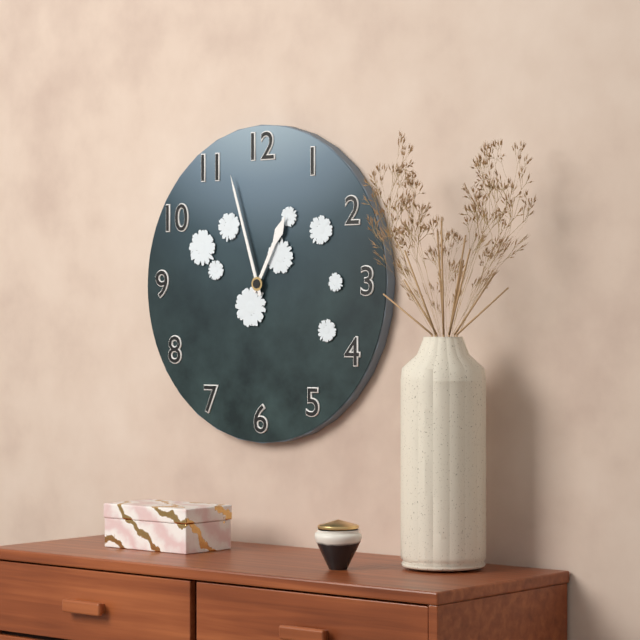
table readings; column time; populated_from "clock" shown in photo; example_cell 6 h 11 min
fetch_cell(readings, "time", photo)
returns 12 h 57 min
